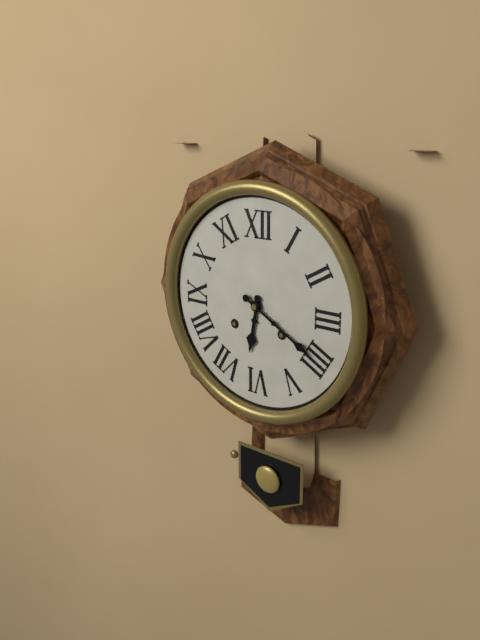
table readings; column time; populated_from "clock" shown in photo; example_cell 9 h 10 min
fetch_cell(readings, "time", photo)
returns 6 h 20 min
